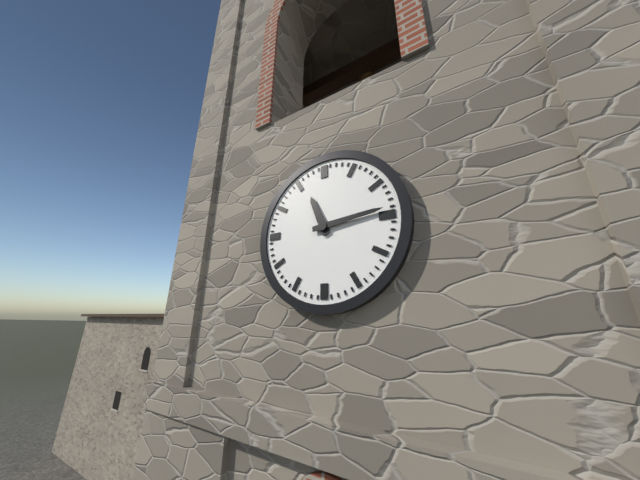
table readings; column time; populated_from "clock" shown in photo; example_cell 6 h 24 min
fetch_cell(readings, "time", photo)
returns 11 h 14 min
